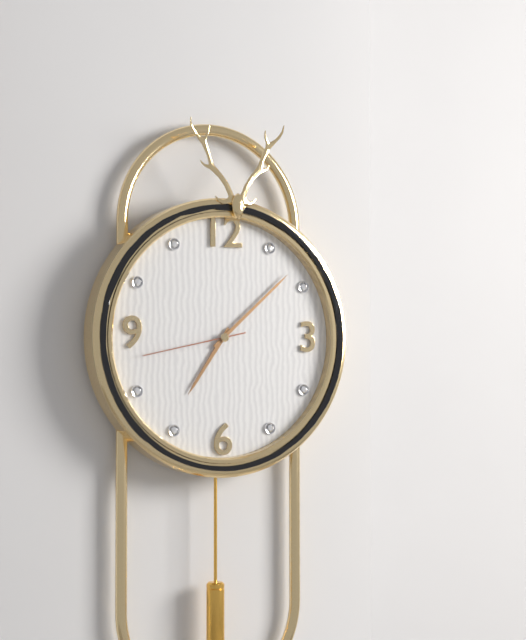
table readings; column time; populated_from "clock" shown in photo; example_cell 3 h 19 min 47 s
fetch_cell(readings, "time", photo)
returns 7 h 08 min 43 s
